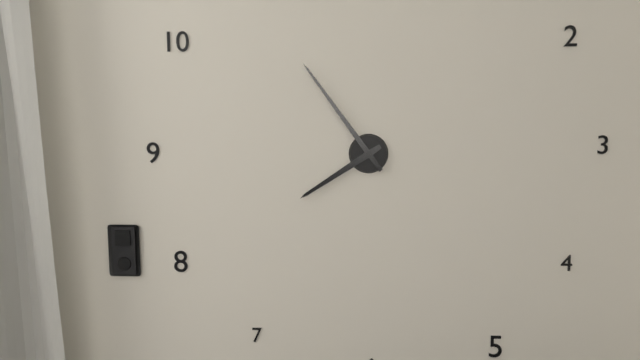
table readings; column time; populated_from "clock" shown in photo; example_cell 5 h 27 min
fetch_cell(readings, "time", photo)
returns 7 h 54 min
